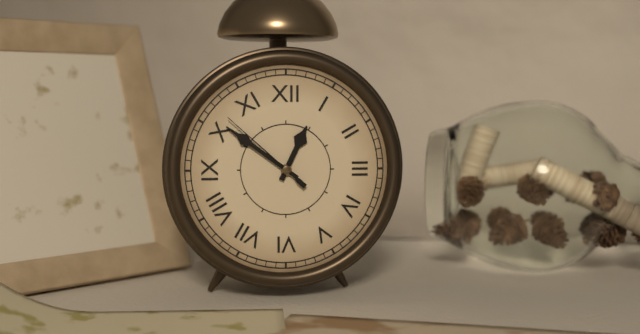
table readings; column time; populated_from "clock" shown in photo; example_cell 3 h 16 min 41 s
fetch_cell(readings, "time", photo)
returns 12 h 51 min 52 s
